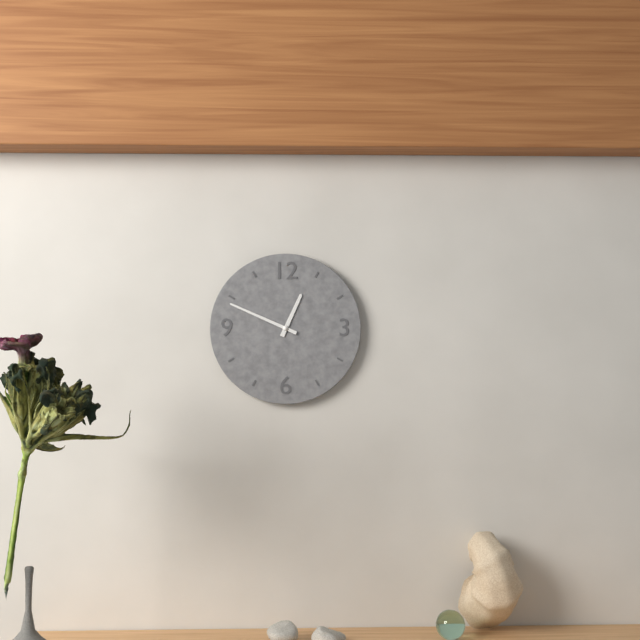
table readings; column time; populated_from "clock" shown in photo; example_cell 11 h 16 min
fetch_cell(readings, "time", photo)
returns 12 h 49 min
